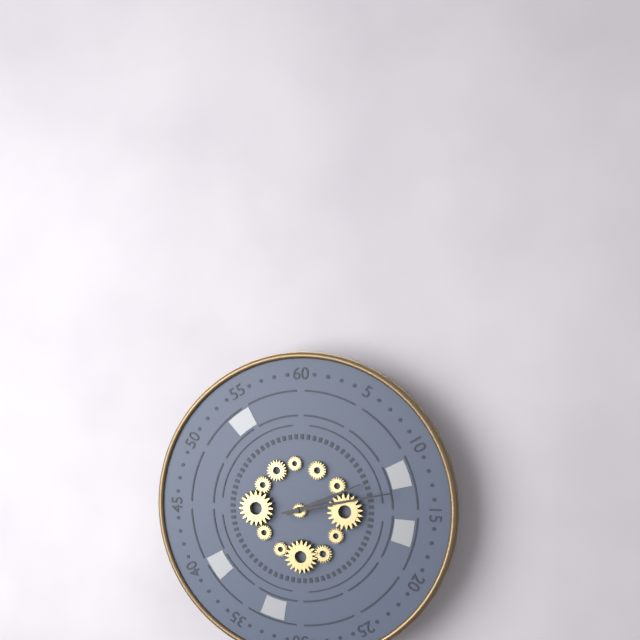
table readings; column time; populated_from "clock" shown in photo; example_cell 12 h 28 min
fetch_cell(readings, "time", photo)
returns 2 h 13 min
